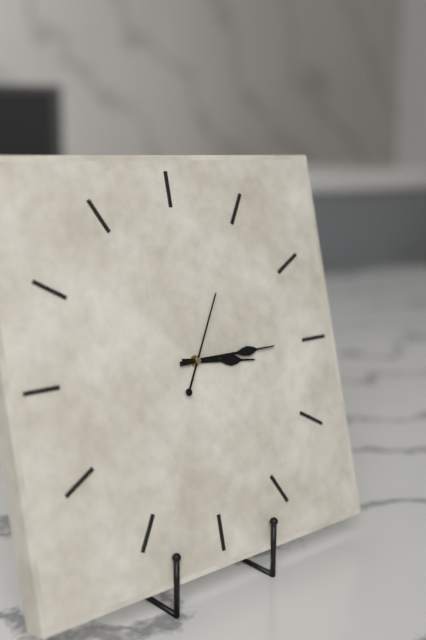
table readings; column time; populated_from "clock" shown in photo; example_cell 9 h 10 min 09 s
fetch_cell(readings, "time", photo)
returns 3 h 15 min 05 s
